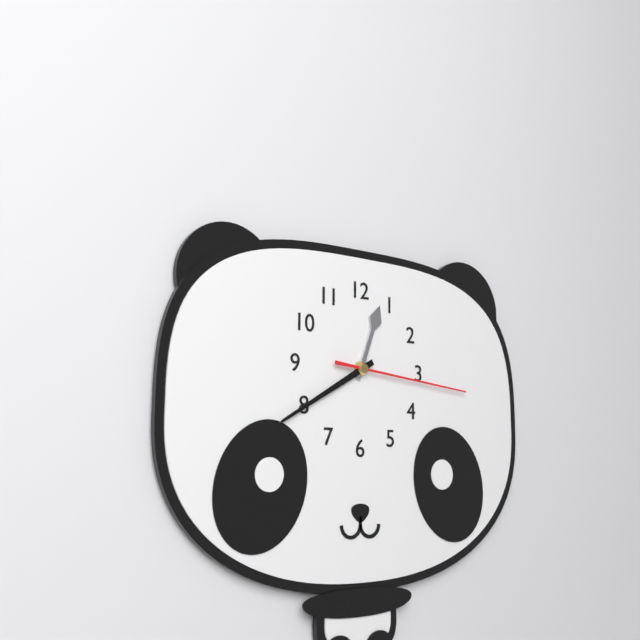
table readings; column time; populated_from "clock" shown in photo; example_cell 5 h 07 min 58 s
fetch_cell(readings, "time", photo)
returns 12 h 40 min 16 s
